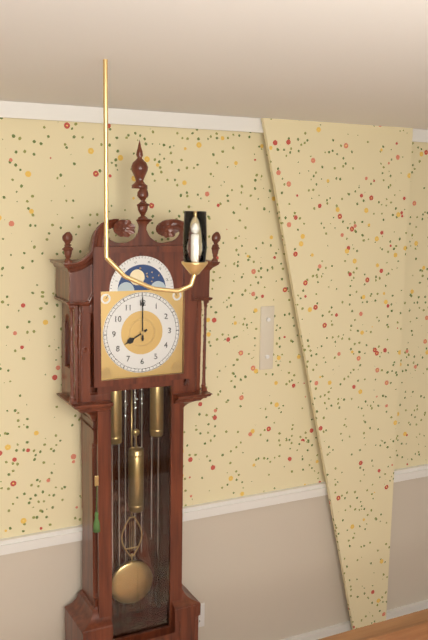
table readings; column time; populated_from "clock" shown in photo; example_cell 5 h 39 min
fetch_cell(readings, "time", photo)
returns 8 h 00 min
